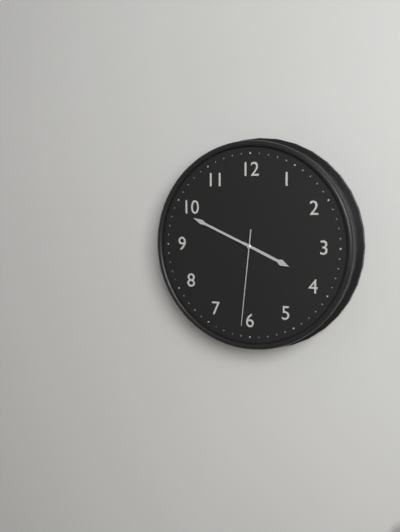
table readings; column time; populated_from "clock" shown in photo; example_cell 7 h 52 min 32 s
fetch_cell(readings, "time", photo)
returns 3 h 49 min 31 s
